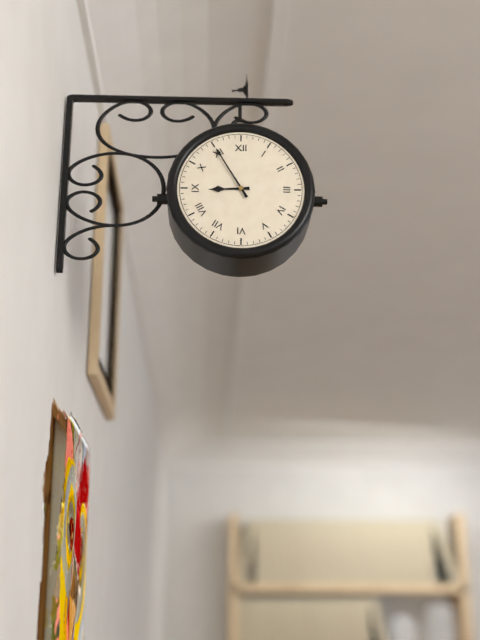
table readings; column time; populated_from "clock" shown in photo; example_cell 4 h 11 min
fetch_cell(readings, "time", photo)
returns 8 h 55 min
